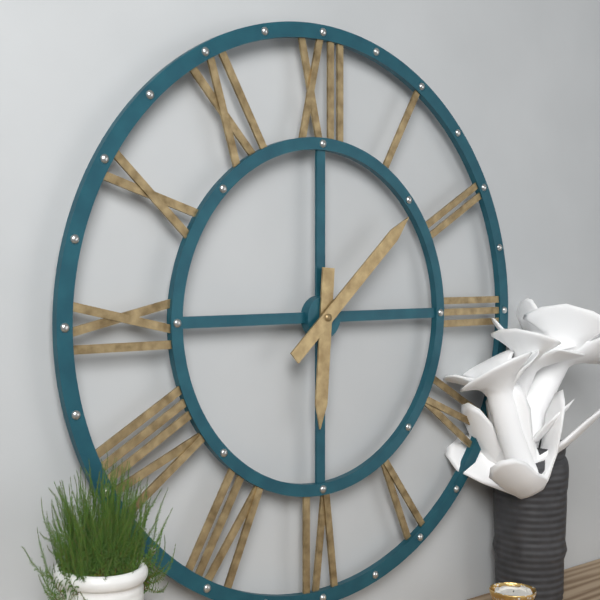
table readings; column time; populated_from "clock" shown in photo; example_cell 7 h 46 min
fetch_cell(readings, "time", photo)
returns 6 h 08 min
